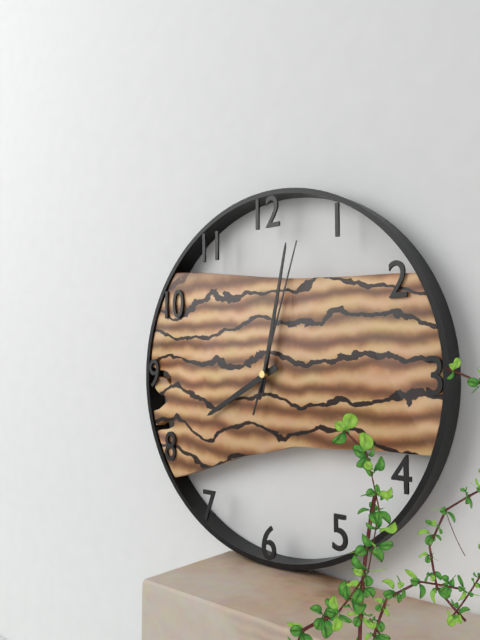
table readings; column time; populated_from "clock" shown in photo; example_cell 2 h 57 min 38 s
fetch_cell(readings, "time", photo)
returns 8 h 02 min 03 s
